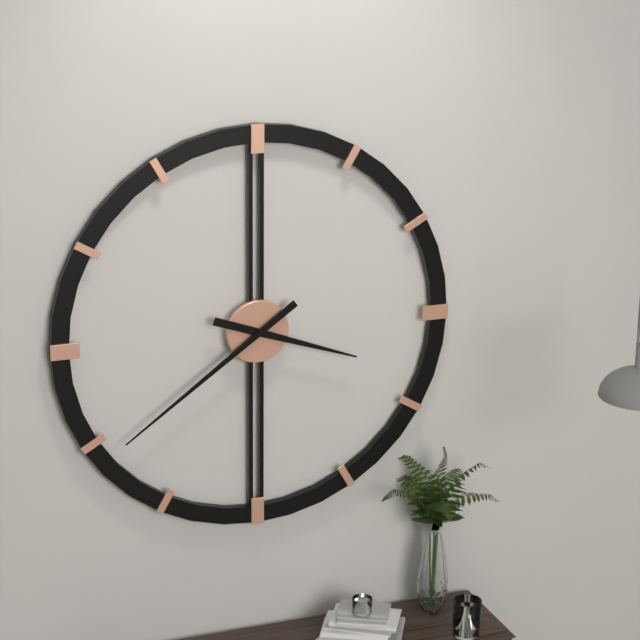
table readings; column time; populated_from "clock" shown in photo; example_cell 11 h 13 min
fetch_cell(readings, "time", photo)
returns 3 h 39 min
